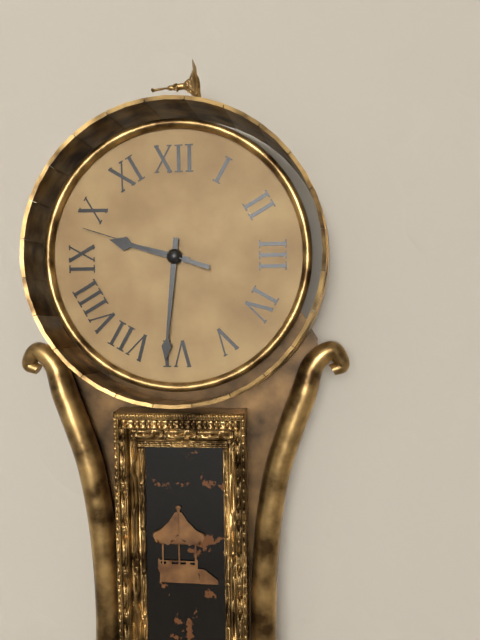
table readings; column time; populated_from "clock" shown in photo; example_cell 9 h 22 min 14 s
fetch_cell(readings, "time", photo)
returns 9 h 31 min 48 s
